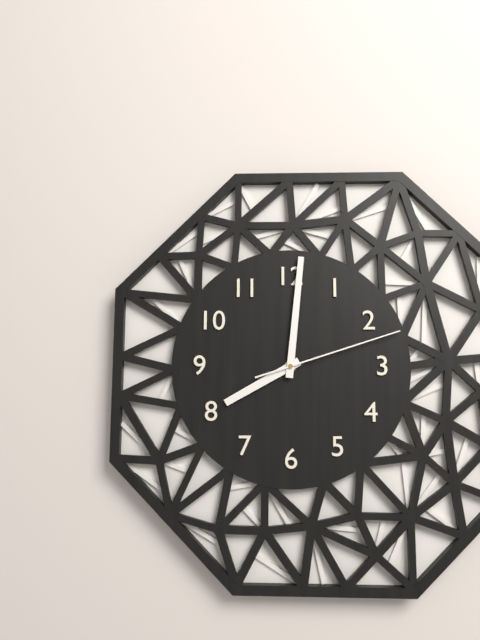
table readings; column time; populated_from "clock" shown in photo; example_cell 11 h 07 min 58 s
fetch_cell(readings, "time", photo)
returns 8 h 01 min 12 s
